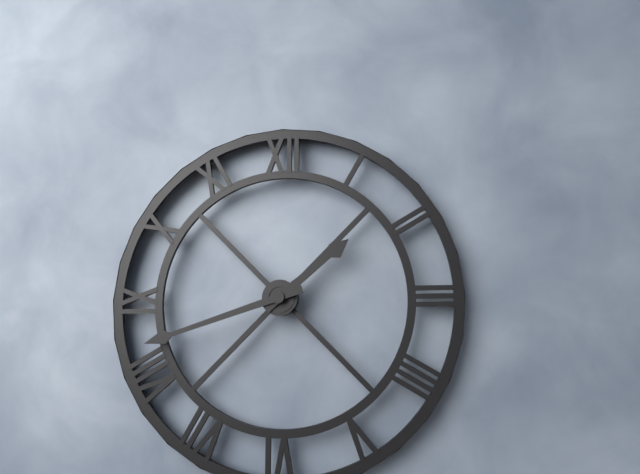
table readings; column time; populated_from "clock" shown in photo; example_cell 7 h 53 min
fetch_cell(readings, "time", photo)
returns 1 h 42 min
